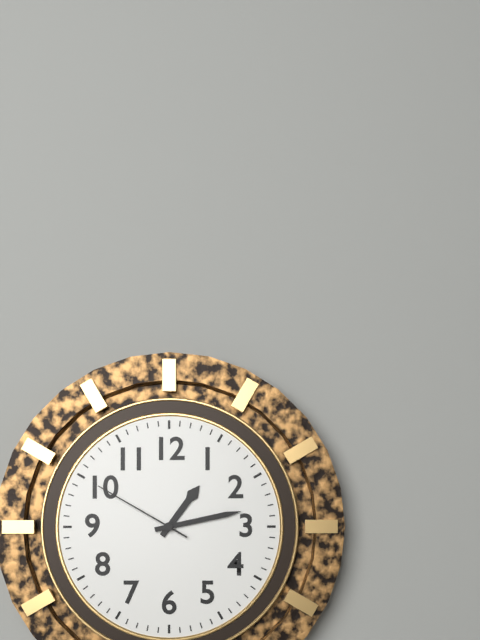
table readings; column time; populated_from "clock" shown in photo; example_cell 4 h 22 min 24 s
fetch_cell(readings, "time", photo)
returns 1 h 13 min 50 s
